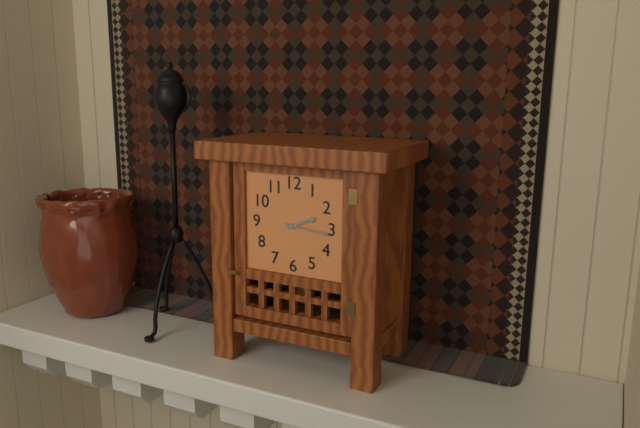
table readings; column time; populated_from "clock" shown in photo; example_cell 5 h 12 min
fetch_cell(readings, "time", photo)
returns 2 h 16 min
